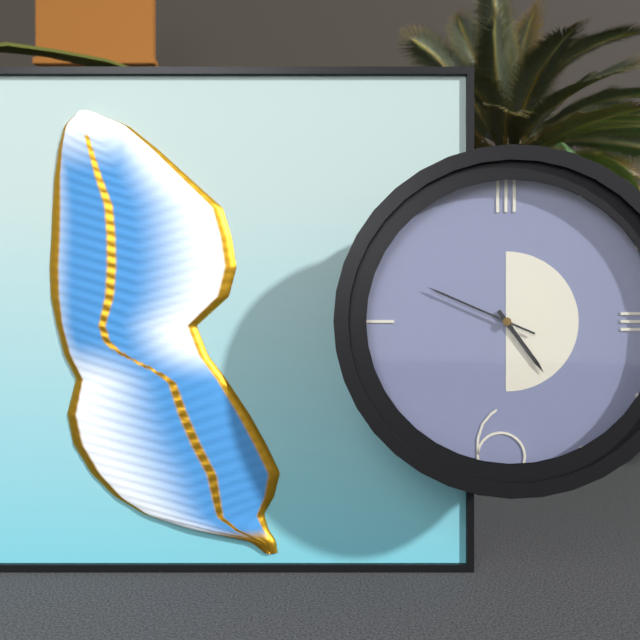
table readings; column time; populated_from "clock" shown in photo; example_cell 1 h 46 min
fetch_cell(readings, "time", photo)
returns 4 h 49 min
